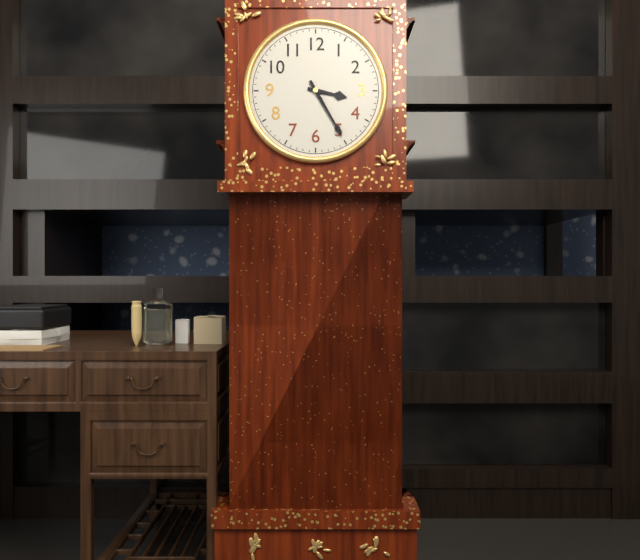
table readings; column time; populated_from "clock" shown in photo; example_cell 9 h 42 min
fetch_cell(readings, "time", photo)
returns 3 h 25 min
